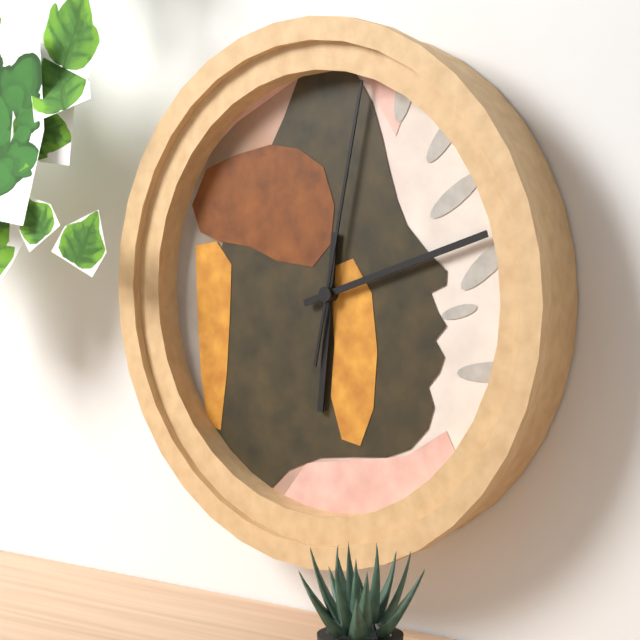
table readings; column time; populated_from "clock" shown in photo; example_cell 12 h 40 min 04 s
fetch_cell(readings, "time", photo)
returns 6 h 12 min 02 s
